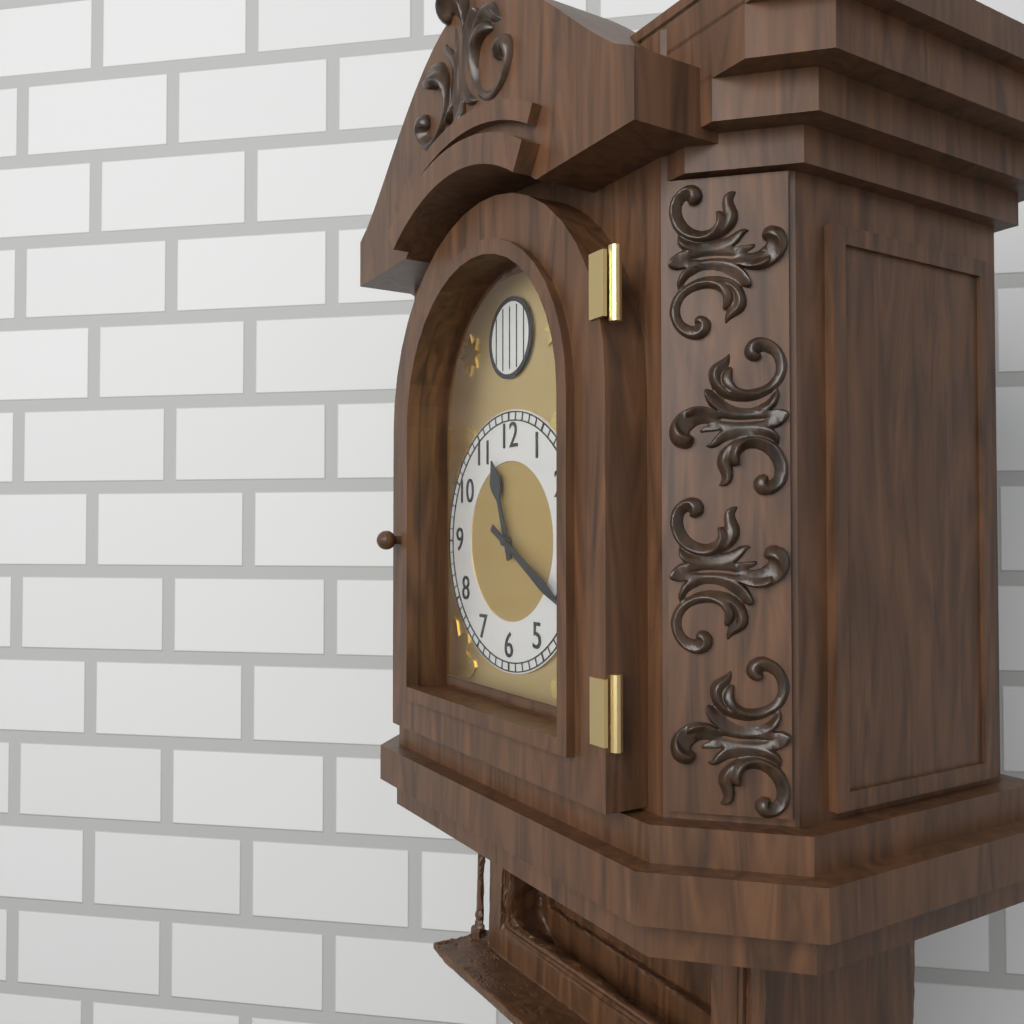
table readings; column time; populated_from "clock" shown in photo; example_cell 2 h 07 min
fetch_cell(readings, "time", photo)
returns 11 h 20 min
